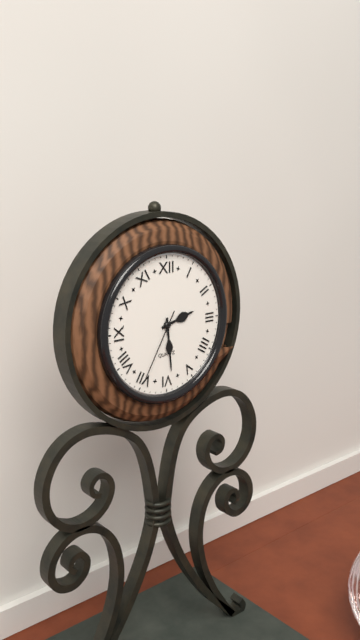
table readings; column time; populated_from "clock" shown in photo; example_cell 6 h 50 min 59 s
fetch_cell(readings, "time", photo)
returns 2 h 29 min 35 s
